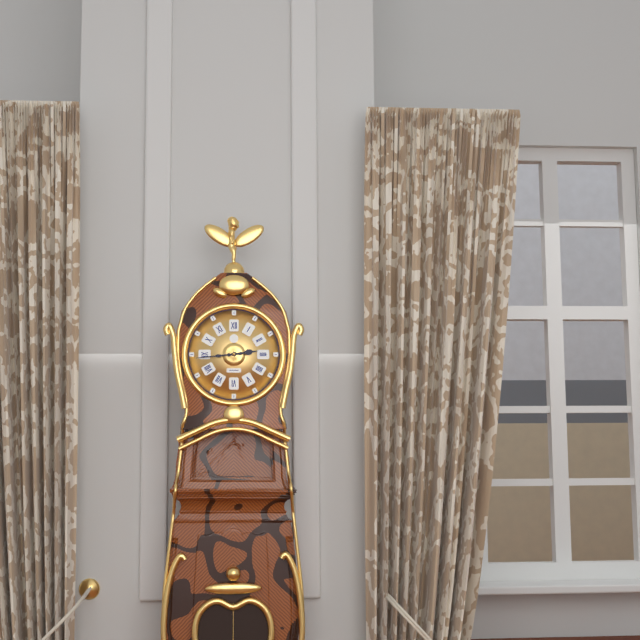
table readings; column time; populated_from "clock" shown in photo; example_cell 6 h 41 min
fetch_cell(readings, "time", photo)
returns 2 h 44 min
